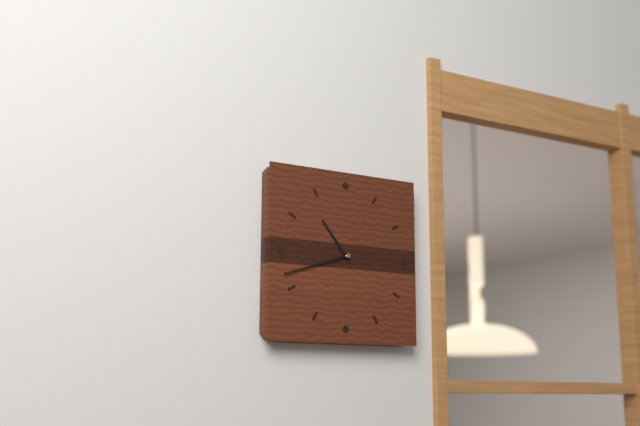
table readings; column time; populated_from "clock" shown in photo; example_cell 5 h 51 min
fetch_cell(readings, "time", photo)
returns 10 h 42 min
